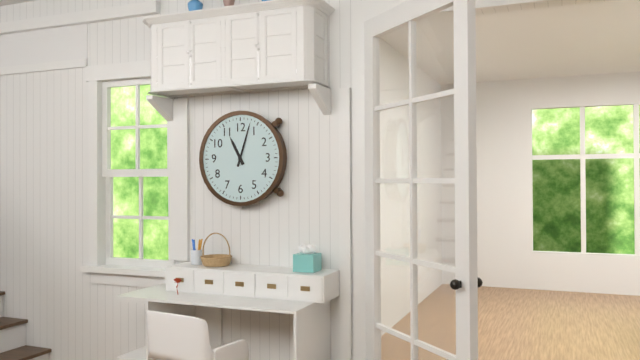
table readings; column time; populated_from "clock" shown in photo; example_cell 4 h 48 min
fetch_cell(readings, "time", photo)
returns 11 h 03 min
